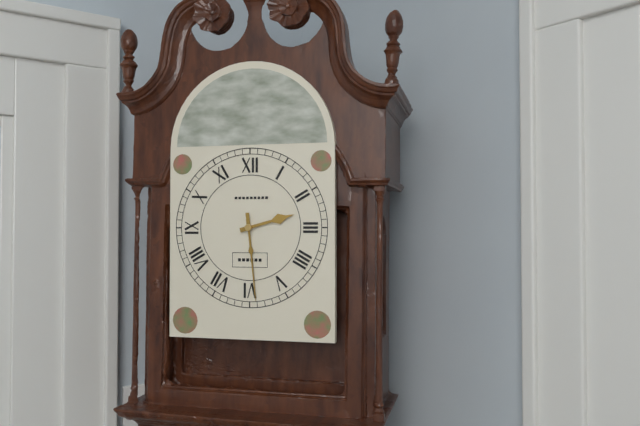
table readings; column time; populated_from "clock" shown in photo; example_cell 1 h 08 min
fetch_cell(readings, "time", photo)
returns 2 h 29 min
